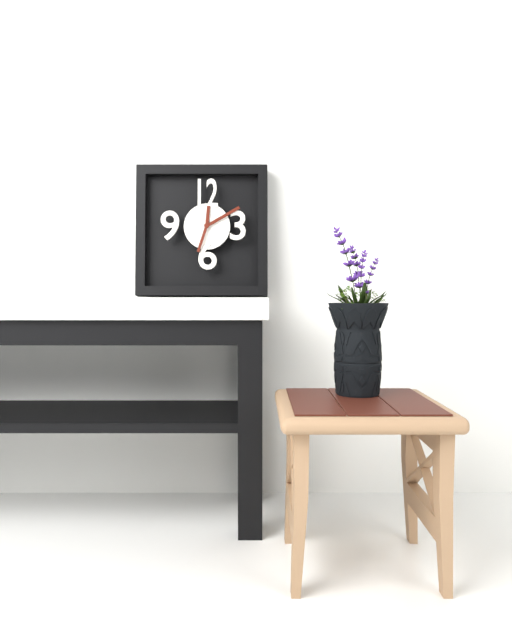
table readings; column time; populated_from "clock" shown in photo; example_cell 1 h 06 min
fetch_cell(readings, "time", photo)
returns 12 h 10 min
